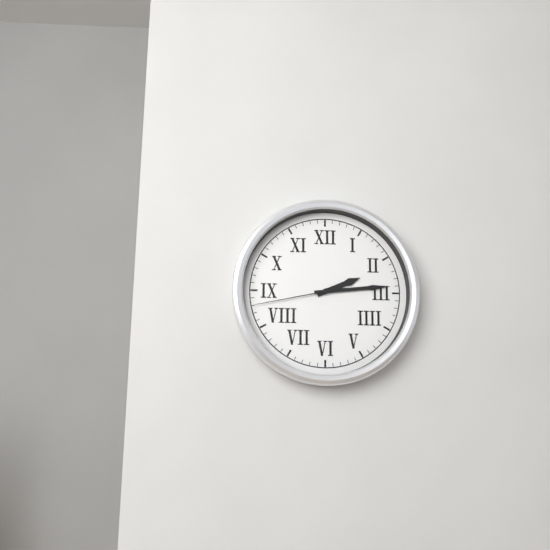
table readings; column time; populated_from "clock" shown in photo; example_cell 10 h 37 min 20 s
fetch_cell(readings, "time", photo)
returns 2 h 14 min 43 s
